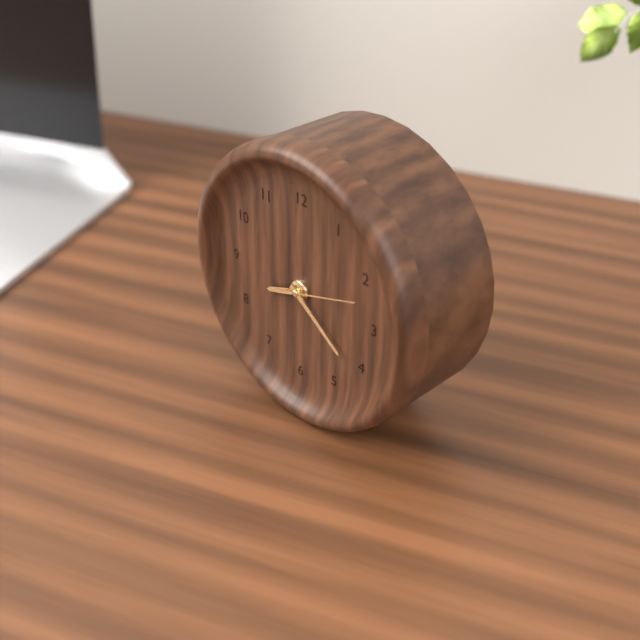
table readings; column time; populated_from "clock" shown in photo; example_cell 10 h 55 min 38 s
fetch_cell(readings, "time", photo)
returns 8 h 21 min 12 s
